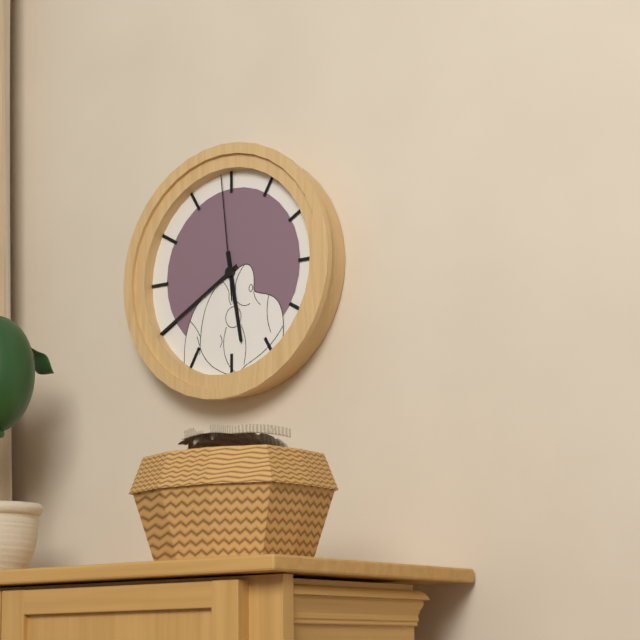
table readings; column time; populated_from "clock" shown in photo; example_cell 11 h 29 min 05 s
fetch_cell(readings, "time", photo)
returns 5 h 40 min 59 s
